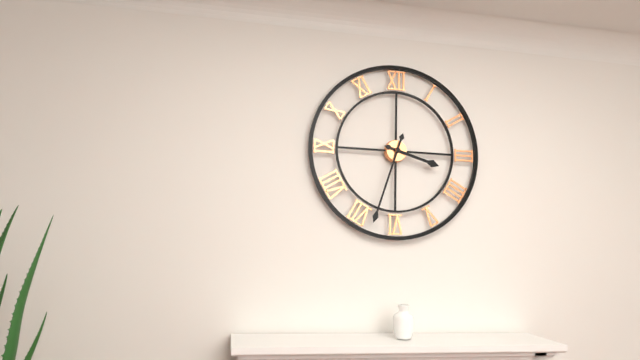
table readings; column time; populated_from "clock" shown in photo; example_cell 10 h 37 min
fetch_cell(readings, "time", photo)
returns 3 h 33 min
